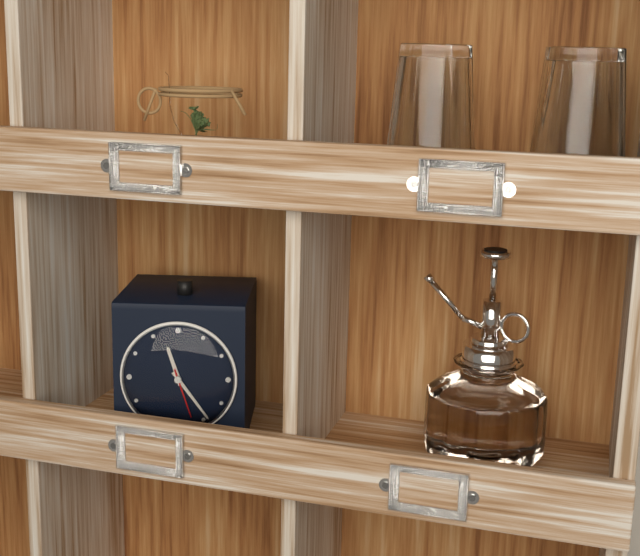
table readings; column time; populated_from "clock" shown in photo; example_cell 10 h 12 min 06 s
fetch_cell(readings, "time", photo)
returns 11 h 24 min 27 s
